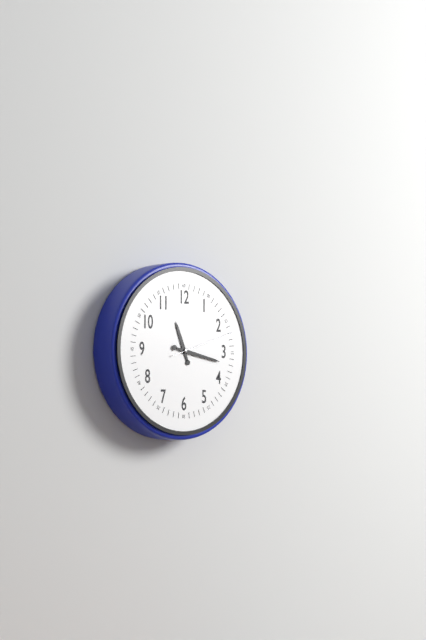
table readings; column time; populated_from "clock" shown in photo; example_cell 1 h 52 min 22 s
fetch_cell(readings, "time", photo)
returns 11 h 17 min 12 s
